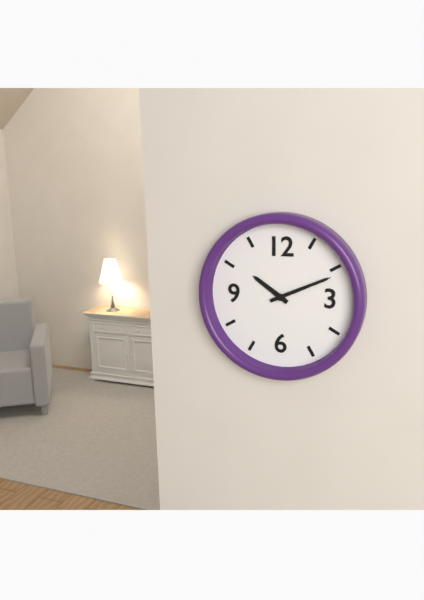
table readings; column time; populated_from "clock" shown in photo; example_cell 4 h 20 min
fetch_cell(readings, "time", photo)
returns 10 h 11 min
